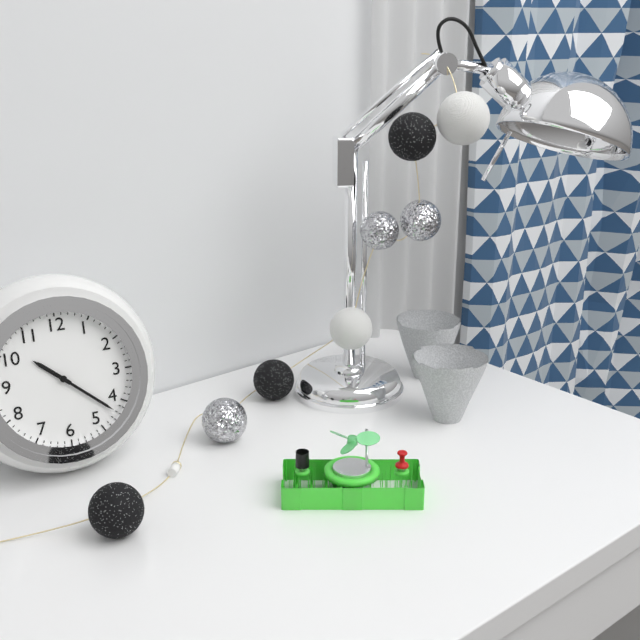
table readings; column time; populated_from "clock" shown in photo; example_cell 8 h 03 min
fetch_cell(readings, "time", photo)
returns 10 h 22 min
